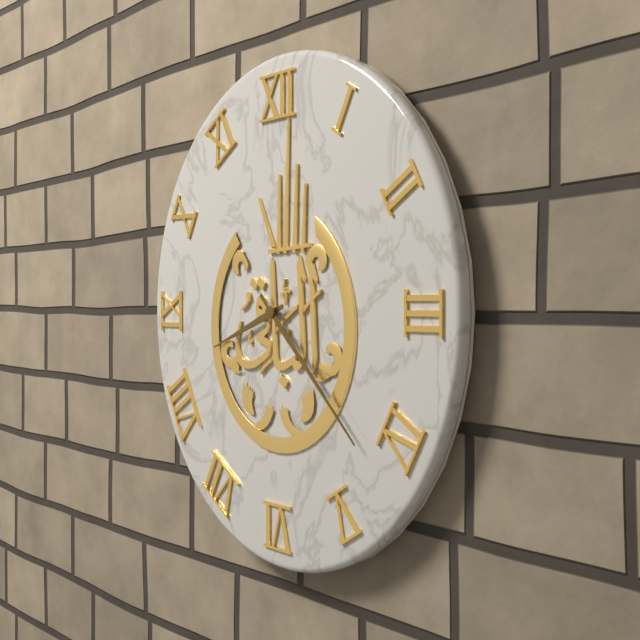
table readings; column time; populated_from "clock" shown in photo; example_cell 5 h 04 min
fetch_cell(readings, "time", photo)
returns 8 h 22 min
